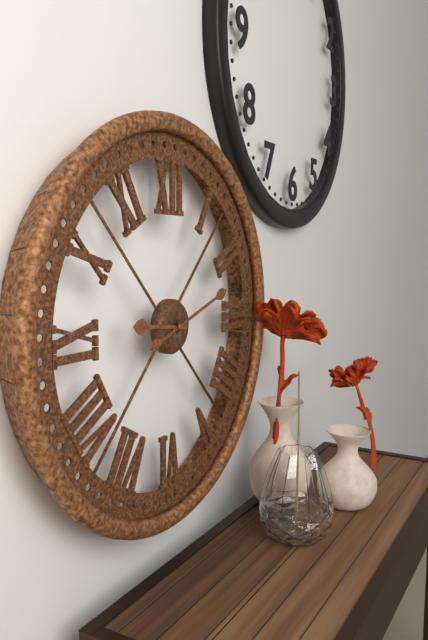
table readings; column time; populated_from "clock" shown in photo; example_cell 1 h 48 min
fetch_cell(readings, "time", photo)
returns 9 h 12 min
